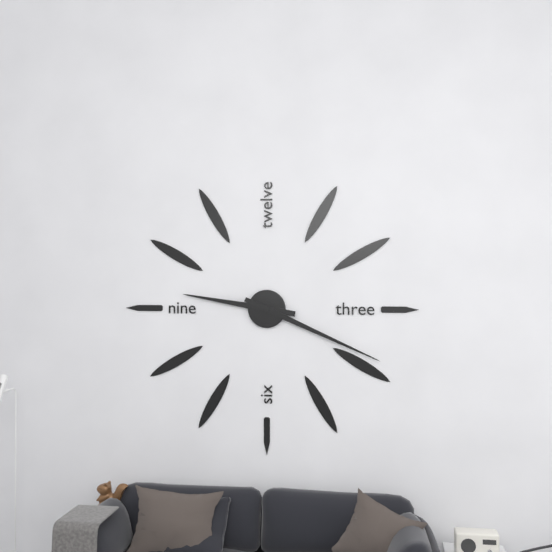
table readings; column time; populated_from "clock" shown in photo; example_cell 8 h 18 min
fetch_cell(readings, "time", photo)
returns 9 h 19 min
